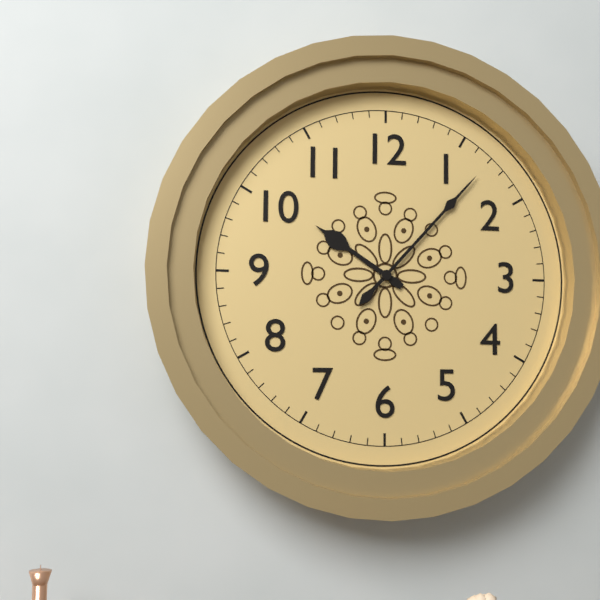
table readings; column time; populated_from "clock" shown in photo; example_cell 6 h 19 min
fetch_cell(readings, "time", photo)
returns 10 h 07 min
